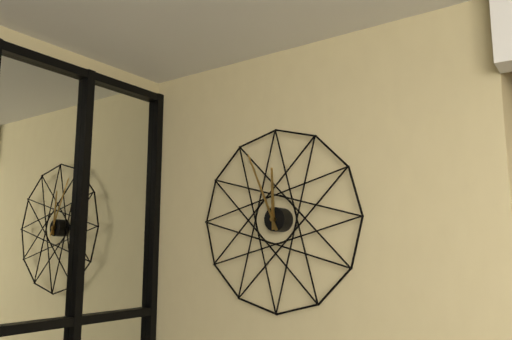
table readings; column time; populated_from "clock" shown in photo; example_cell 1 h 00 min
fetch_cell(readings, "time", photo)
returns 11 h 56 min
